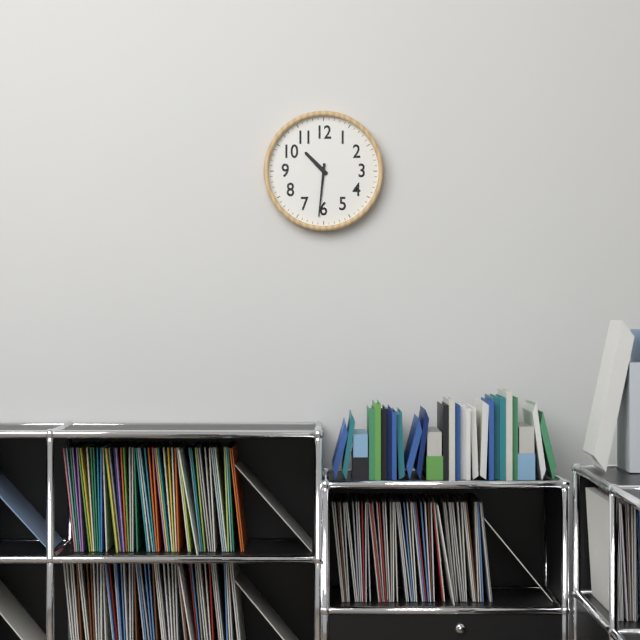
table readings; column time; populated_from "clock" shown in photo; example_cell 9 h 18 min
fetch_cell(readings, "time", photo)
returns 10 h 31 min
